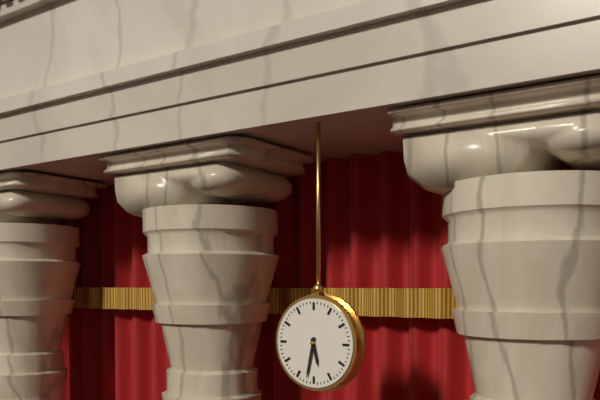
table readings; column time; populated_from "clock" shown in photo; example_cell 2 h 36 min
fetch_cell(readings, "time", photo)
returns 5 h 32 min
